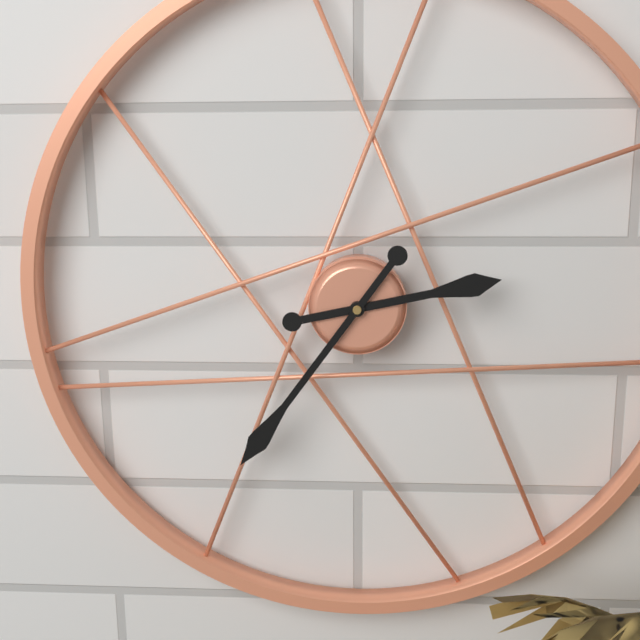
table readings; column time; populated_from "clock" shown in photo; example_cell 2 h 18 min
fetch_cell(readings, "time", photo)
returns 2 h 36 min
